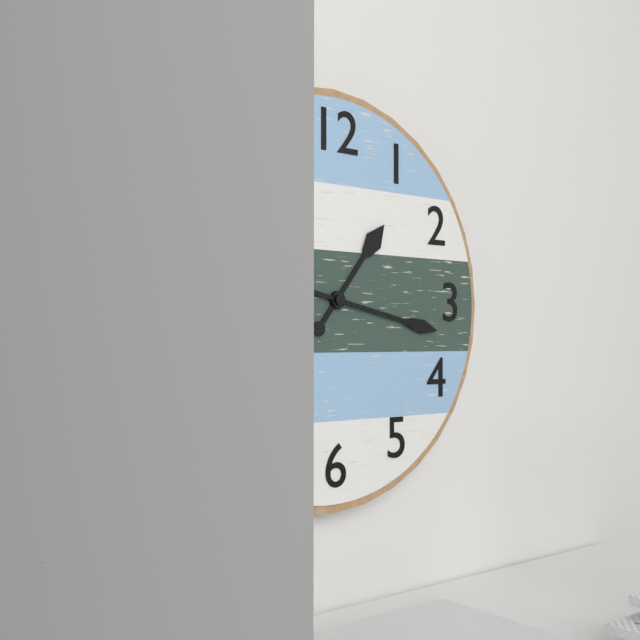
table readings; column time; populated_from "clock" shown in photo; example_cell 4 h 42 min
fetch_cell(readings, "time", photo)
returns 1 h 17 min
